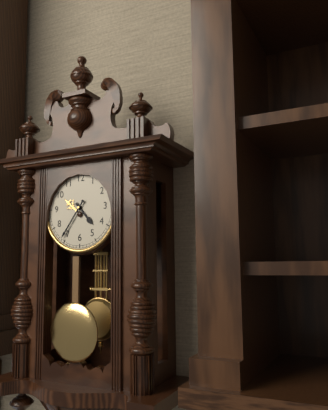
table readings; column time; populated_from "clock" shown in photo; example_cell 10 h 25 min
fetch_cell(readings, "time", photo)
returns 4 h 36 min
